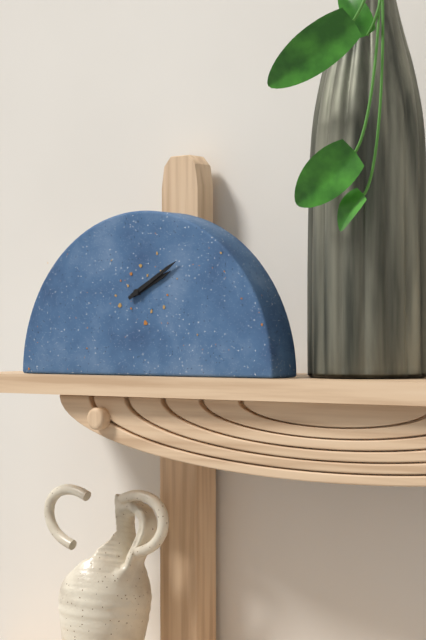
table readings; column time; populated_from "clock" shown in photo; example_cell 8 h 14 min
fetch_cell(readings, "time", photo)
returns 2 h 10 min
